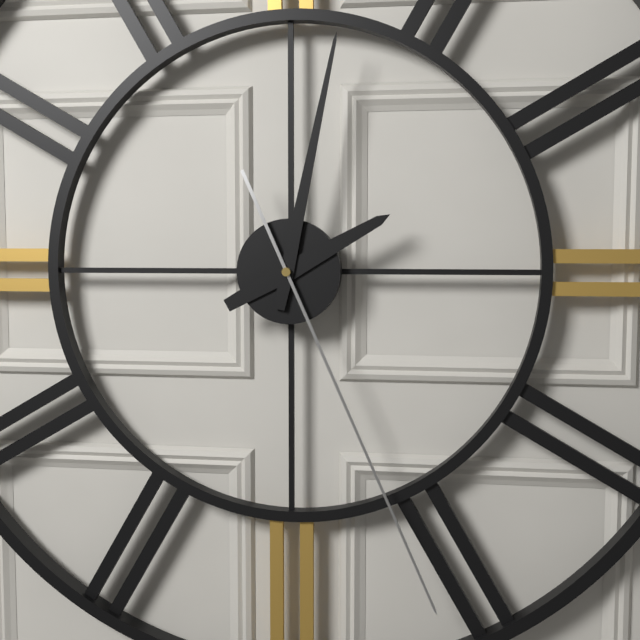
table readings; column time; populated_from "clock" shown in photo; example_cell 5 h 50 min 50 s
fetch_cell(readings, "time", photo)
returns 2 h 02 min 26 s
